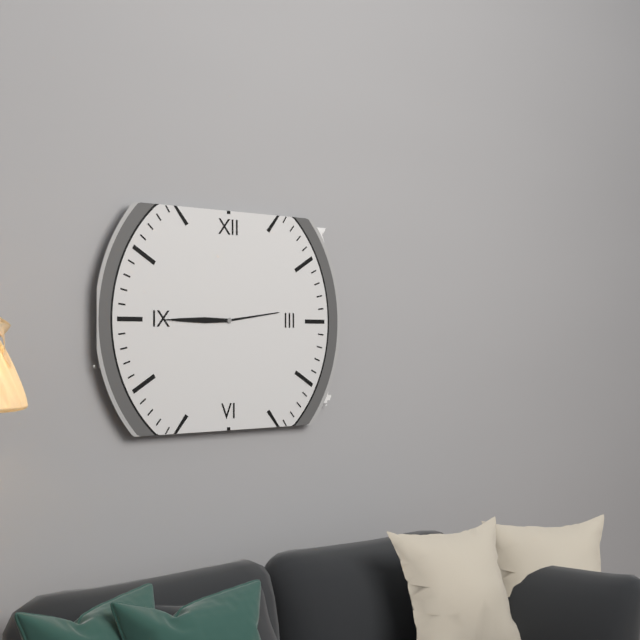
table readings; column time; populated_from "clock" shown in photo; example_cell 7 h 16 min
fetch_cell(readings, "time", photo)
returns 2 h 45 min
